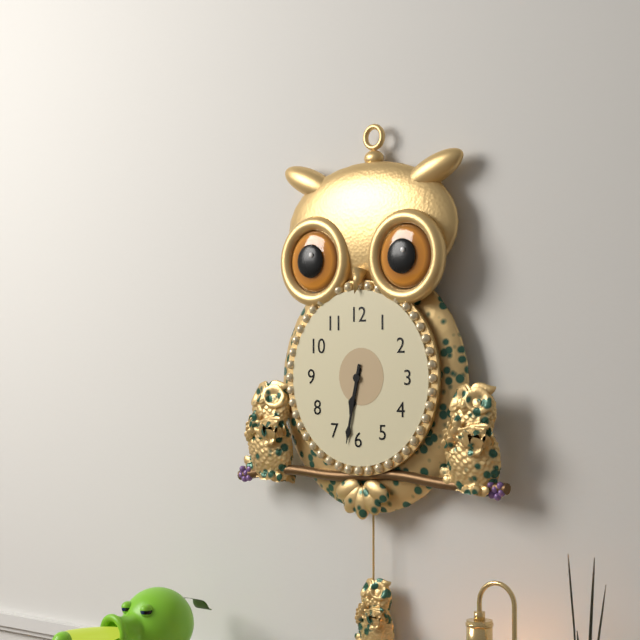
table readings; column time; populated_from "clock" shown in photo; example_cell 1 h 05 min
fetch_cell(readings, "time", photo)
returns 6 h 32 min
